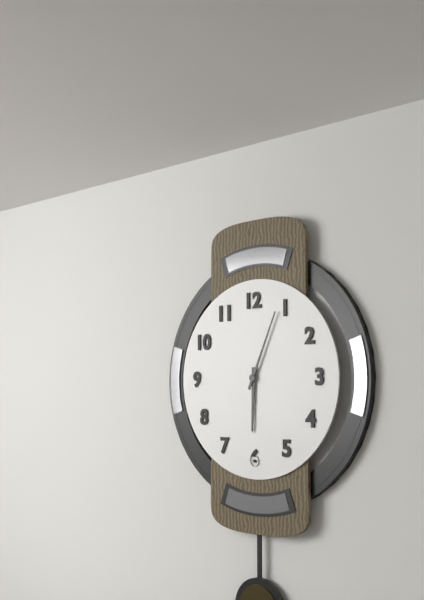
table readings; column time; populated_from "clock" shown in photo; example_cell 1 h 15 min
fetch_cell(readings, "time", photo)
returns 6 h 04 min
